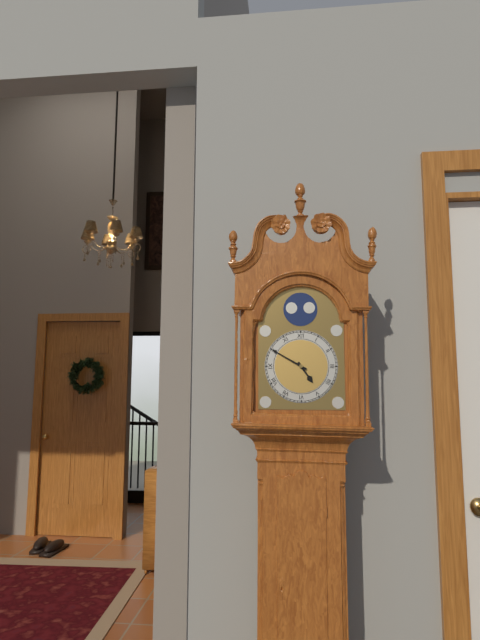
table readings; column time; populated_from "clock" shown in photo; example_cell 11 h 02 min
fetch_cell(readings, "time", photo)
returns 4 h 50 min
